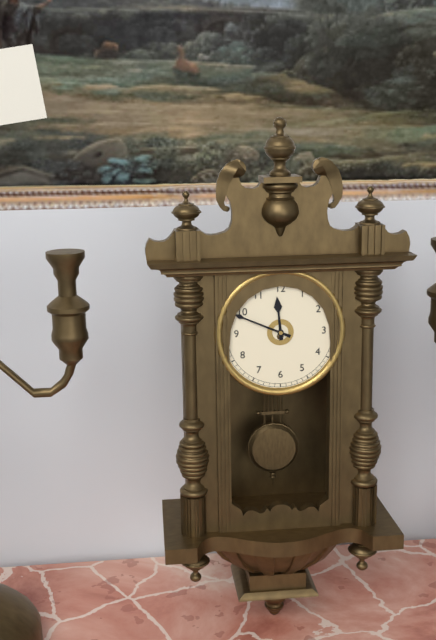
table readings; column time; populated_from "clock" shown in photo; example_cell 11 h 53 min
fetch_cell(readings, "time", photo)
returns 11 h 49 min
